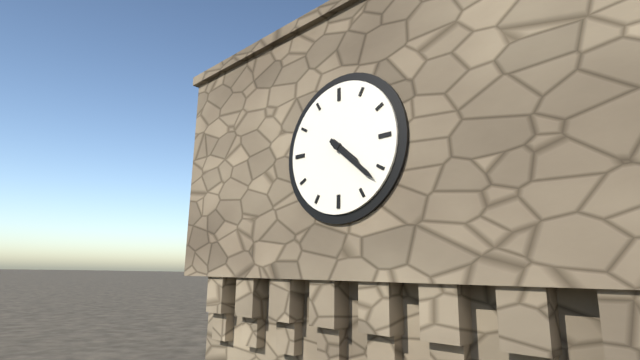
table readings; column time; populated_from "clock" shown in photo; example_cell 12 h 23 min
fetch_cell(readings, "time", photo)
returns 4 h 22 min
